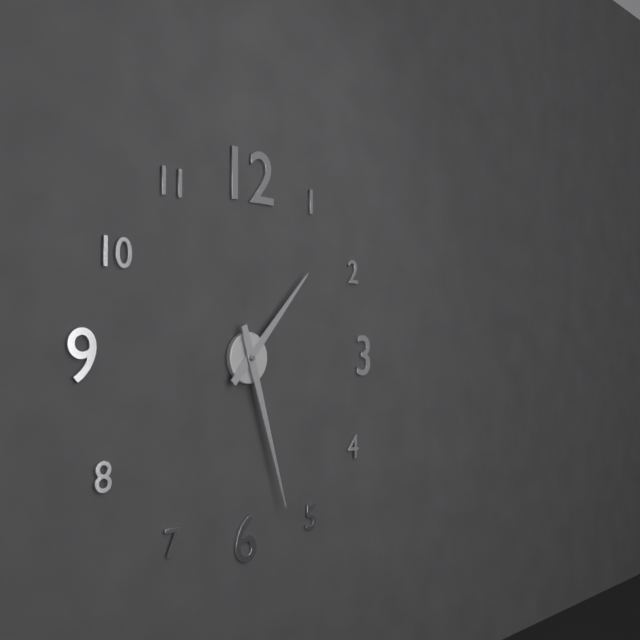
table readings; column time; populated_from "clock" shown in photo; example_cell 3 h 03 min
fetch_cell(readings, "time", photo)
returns 1 h 27 min
